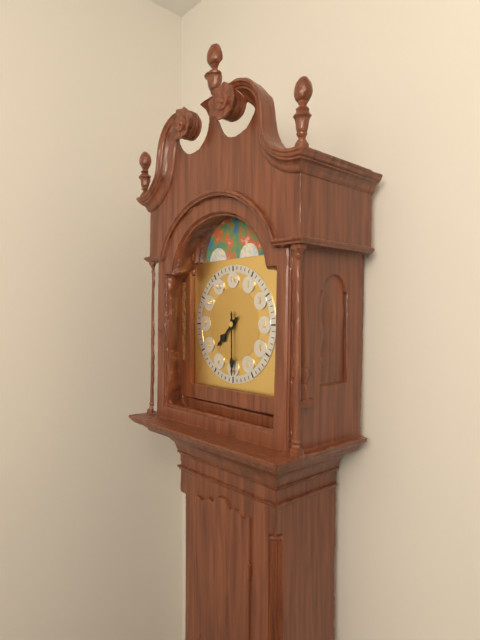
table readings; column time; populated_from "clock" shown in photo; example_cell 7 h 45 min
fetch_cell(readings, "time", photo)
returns 7 h 30 min
